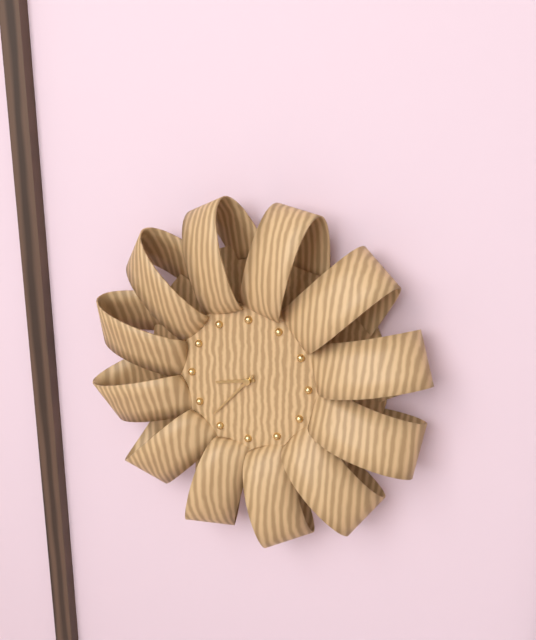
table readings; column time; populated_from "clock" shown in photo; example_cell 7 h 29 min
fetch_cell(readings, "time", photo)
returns 8 h 37 min
